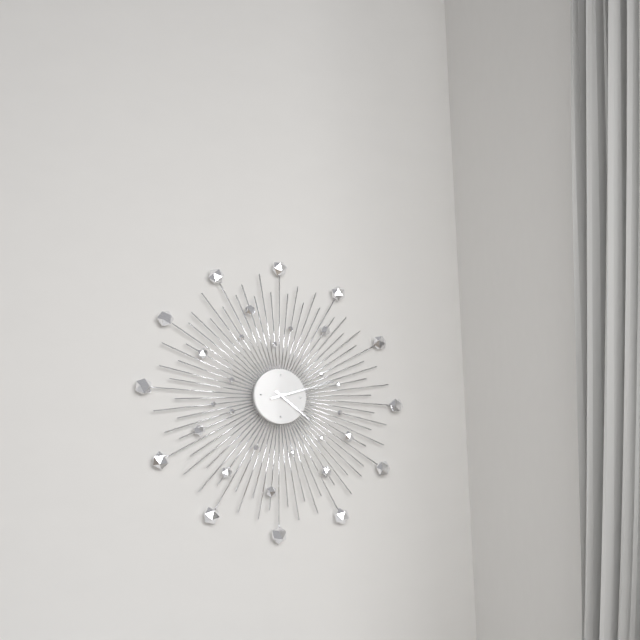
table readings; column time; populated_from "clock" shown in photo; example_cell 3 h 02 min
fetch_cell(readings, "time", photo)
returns 4 h 12 min
